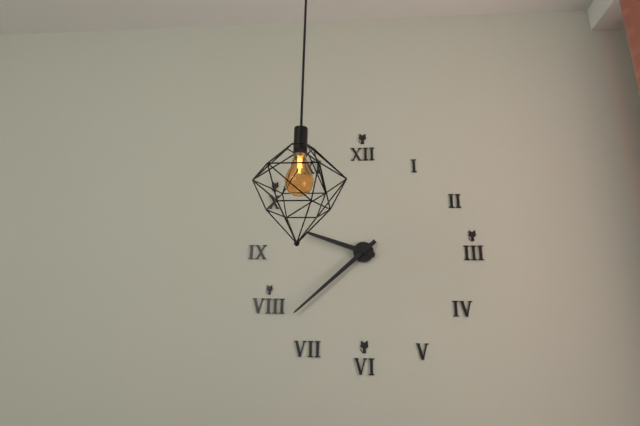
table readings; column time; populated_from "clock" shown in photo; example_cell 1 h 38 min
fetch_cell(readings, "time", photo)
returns 9 h 38 min
